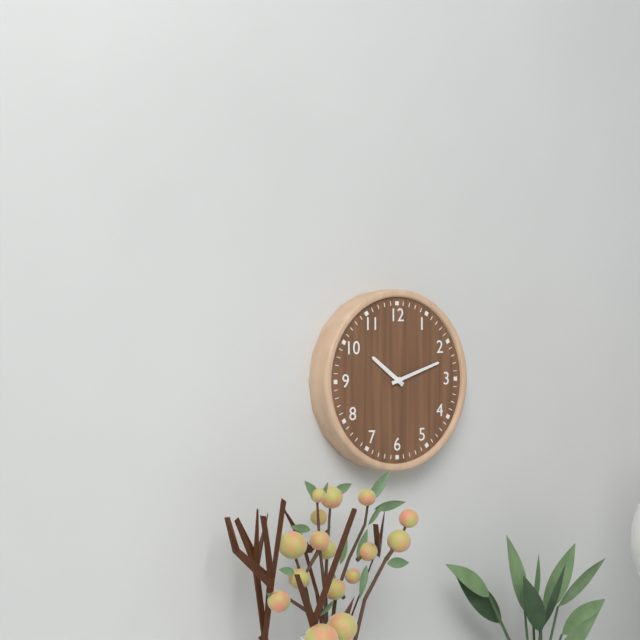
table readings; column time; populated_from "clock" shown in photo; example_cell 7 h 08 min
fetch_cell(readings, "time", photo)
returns 10 h 12 min
